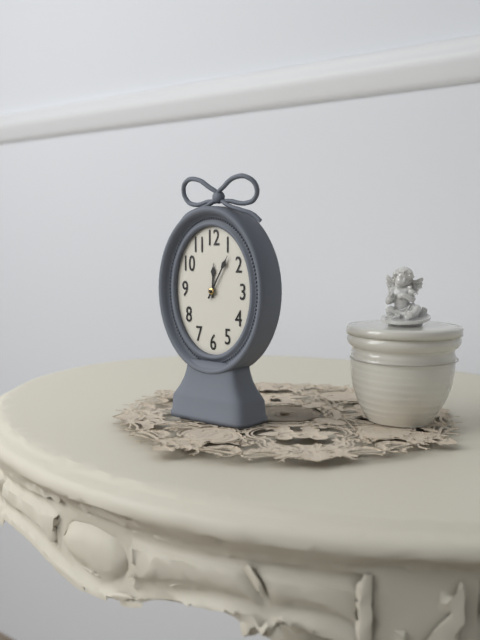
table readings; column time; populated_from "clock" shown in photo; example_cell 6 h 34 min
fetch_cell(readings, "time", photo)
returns 12 h 05 min
